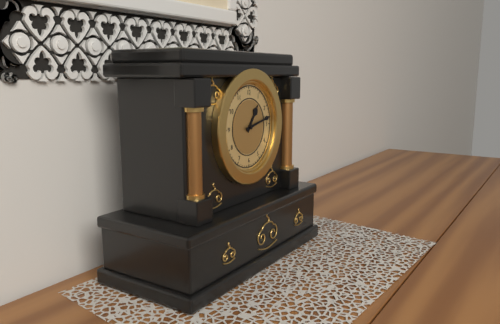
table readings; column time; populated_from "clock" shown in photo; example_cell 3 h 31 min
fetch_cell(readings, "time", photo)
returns 1 h 13 min
